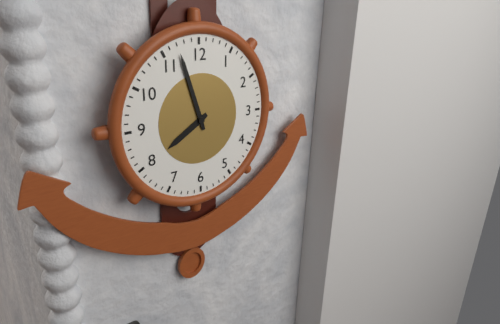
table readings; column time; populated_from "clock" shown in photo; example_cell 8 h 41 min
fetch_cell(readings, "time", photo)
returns 7 h 57 min
